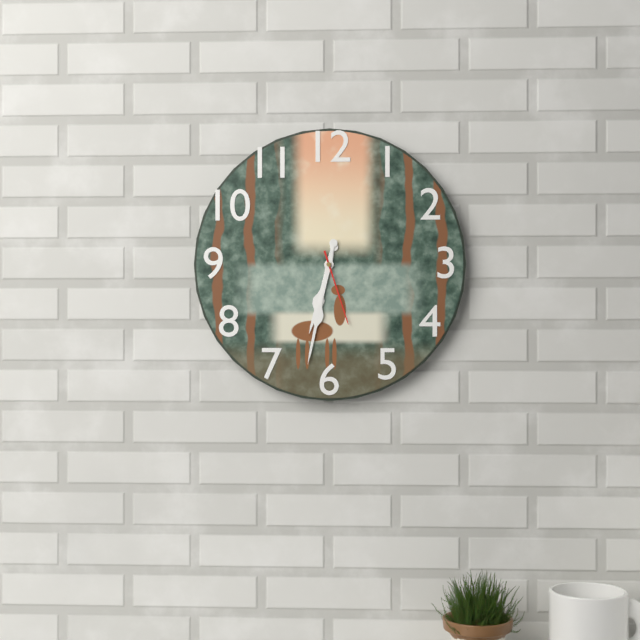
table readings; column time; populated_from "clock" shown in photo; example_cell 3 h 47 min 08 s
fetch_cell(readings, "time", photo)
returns 6 h 32 min 27 s
